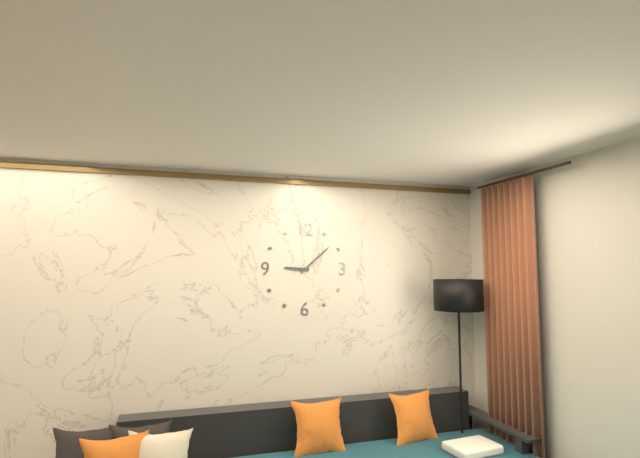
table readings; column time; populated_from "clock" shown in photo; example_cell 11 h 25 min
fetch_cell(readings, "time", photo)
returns 9 h 08 min
